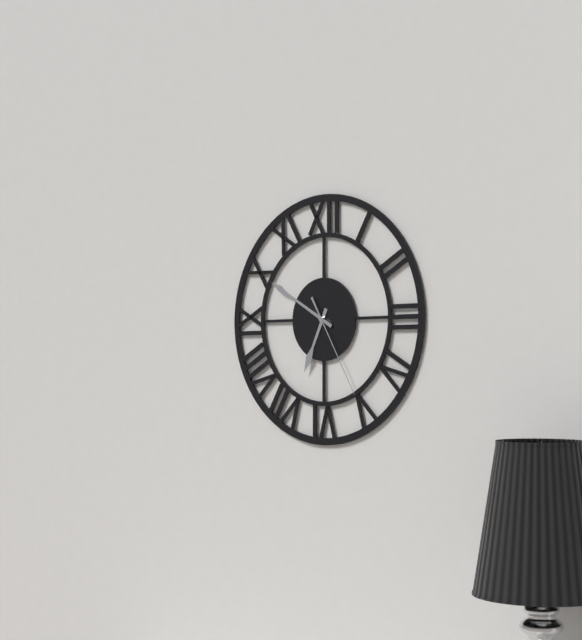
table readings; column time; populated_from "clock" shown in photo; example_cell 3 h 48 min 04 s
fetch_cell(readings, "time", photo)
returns 6 h 50 min 25 s
